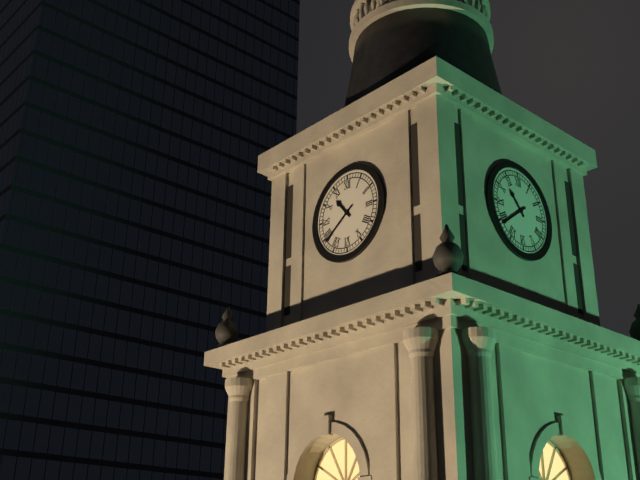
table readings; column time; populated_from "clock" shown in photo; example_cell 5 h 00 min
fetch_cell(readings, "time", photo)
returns 10 h 39 min
